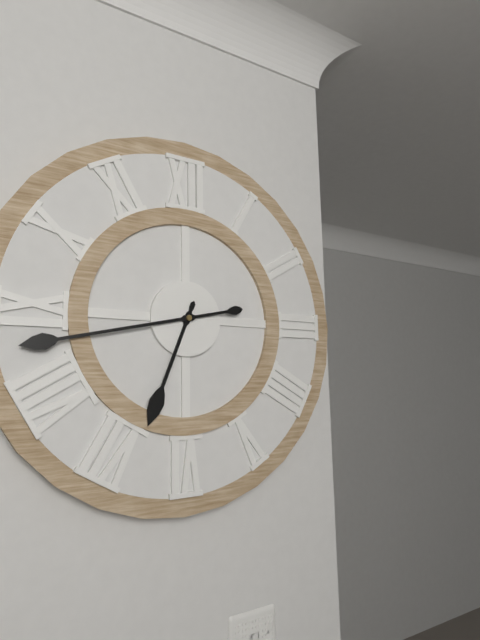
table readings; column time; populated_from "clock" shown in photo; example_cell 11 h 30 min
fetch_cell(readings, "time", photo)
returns 6 h 43 min
